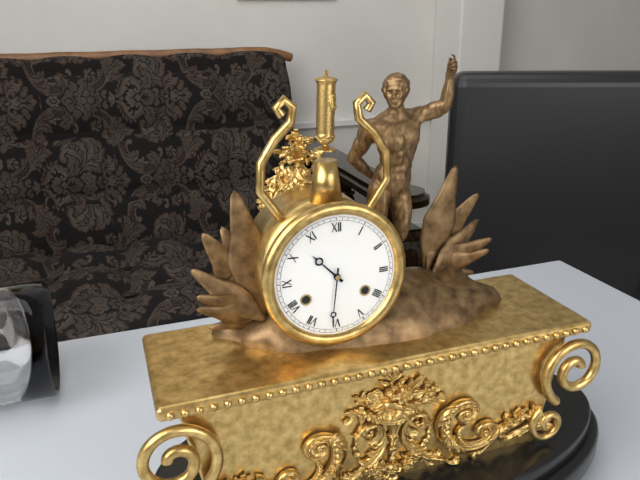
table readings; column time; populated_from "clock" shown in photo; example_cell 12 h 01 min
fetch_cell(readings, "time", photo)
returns 10 h 31 min
